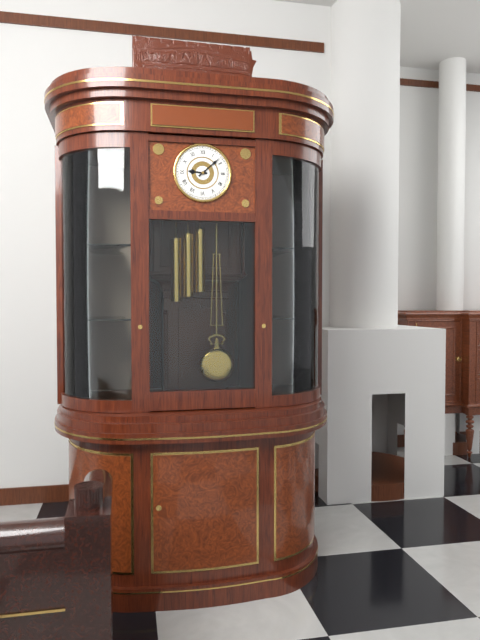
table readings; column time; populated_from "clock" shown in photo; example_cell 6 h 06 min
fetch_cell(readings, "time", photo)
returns 9 h 08 min
